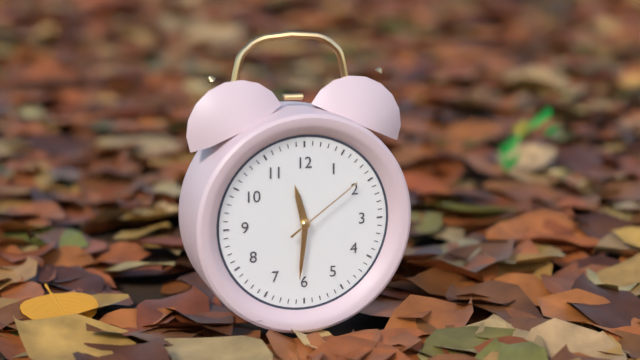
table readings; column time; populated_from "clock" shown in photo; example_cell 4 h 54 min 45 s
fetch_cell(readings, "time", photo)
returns 11 h 31 min 09 s
